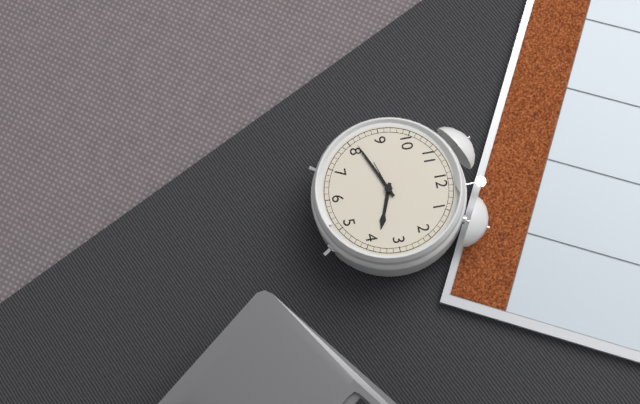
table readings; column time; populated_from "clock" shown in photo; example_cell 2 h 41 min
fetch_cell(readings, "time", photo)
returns 3 h 41 min
